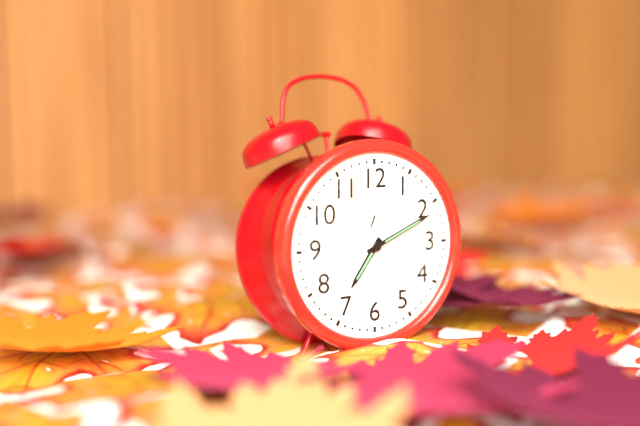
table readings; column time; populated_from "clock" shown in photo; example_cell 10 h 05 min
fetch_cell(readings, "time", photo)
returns 7 h 11 min
